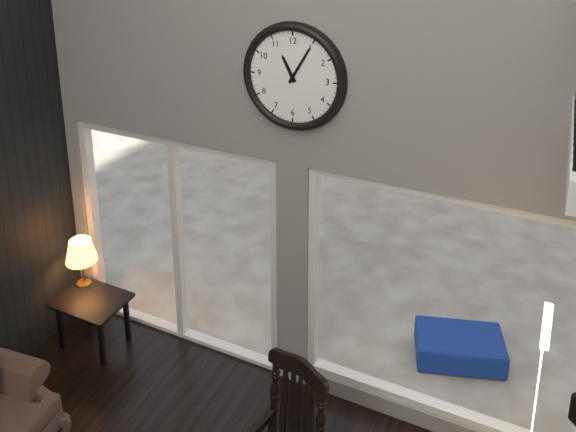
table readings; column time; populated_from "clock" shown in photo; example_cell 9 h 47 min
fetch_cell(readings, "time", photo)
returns 11 h 05 min
